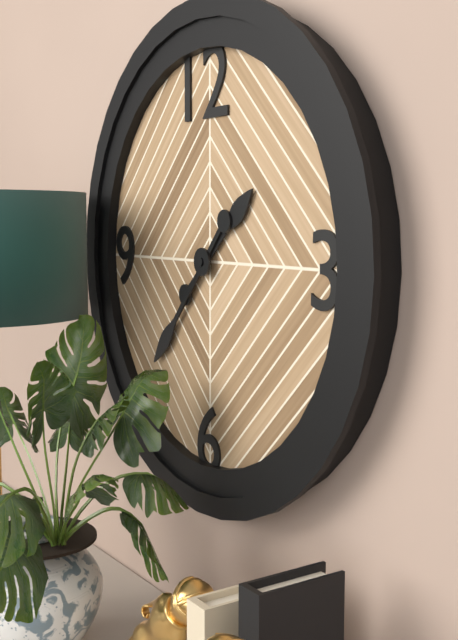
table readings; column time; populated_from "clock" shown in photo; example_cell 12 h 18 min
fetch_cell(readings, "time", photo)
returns 1 h 37 min
